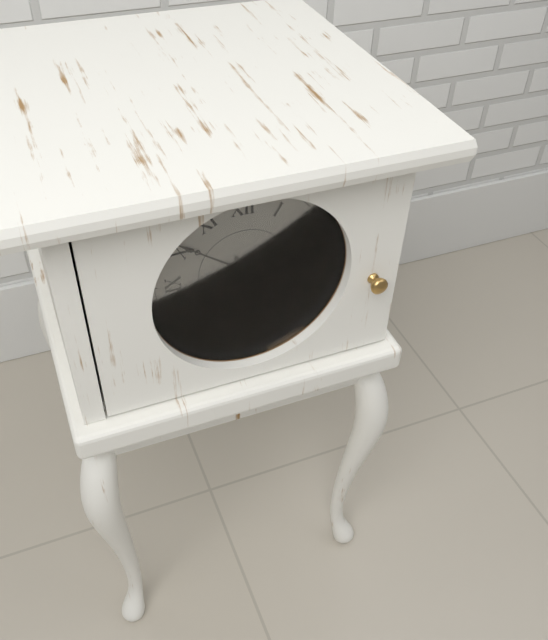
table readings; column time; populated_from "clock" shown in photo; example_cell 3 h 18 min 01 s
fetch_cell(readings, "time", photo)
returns 8 h 51 min 26 s
